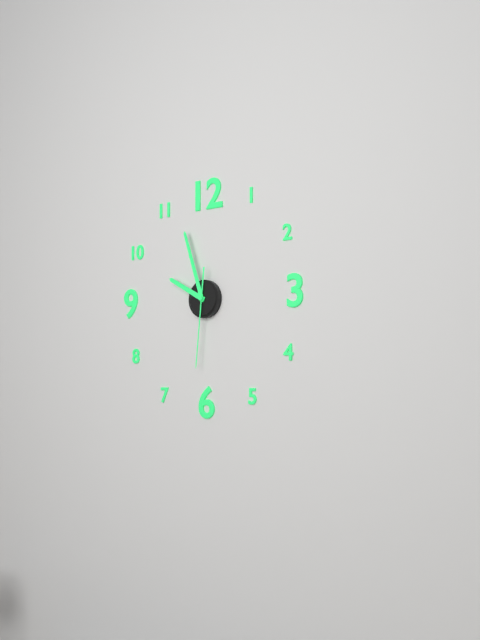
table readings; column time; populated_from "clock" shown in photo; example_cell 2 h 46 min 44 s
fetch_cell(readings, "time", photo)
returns 9 h 57 min 31 s
